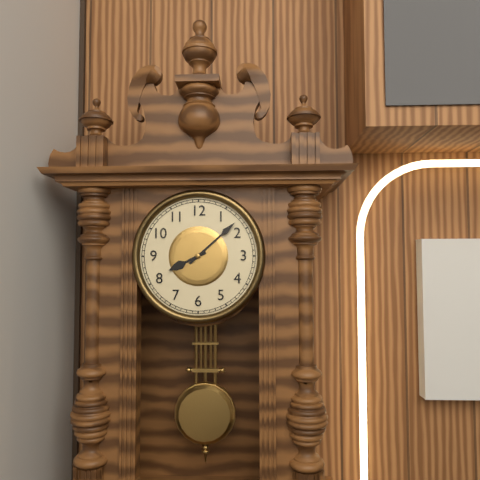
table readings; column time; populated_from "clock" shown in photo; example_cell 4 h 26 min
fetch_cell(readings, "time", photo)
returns 8 h 08 min
